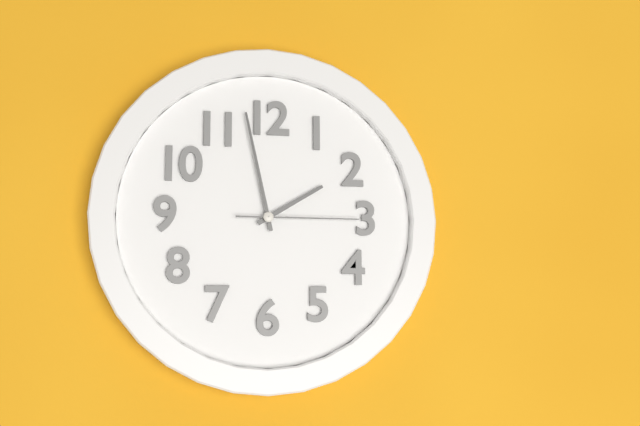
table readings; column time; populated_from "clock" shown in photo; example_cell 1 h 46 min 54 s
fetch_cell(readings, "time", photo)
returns 1 h 58 min 15 s
